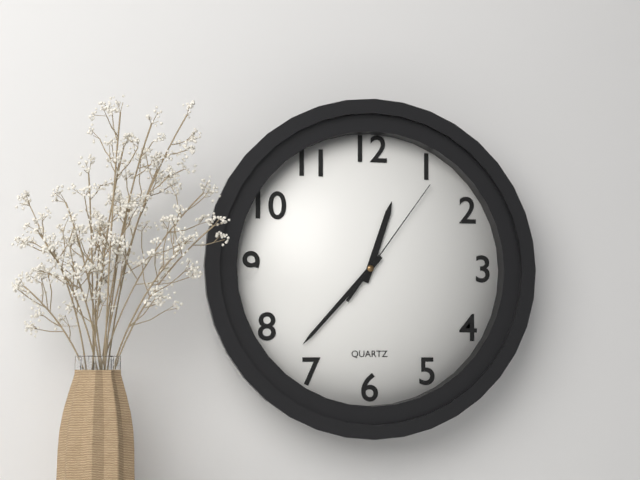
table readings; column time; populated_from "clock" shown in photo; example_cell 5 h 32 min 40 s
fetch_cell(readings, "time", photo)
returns 12 h 37 min 06 s
